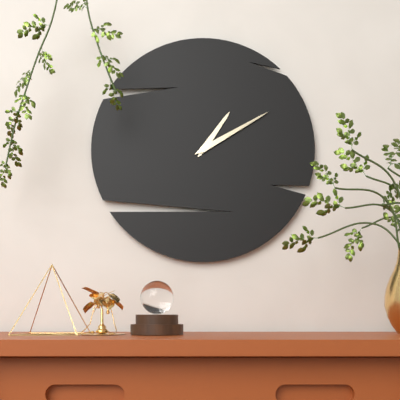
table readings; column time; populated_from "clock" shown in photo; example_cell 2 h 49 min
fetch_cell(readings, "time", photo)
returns 1 h 10 min
